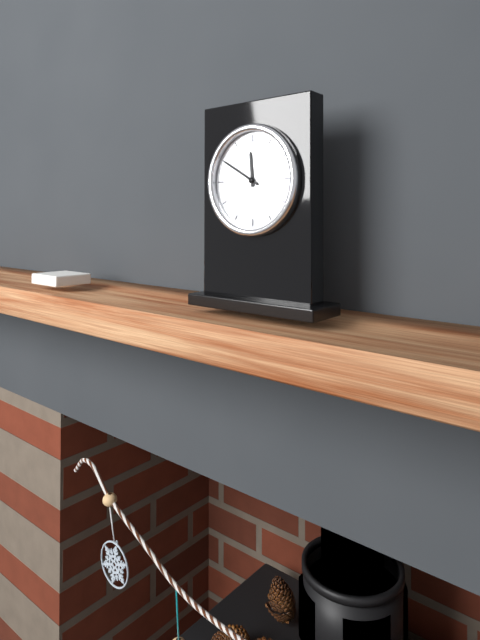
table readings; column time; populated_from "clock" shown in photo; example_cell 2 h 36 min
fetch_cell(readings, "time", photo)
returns 11 h 50 min
